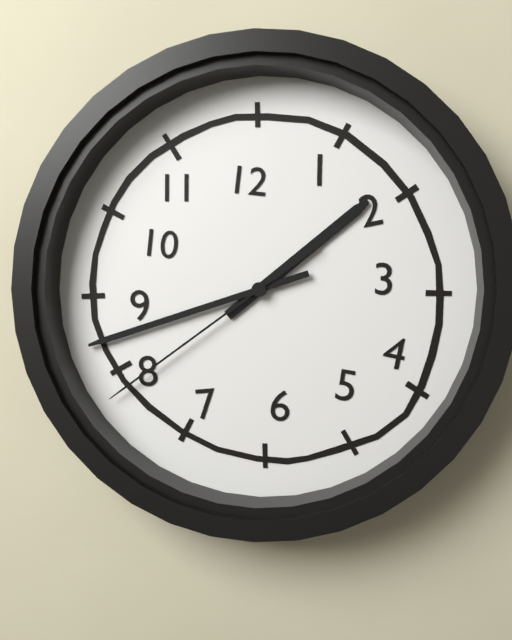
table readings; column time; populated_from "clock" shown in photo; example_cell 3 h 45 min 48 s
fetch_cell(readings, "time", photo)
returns 1 h 42 min 39 s
